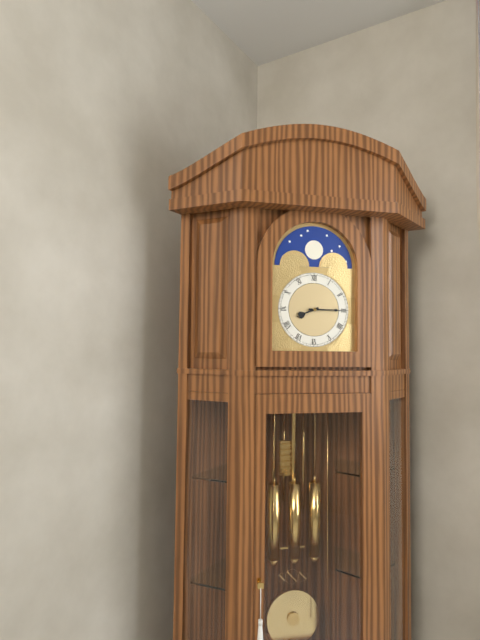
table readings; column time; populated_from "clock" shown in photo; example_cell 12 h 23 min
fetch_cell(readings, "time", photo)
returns 8 h 15 min
